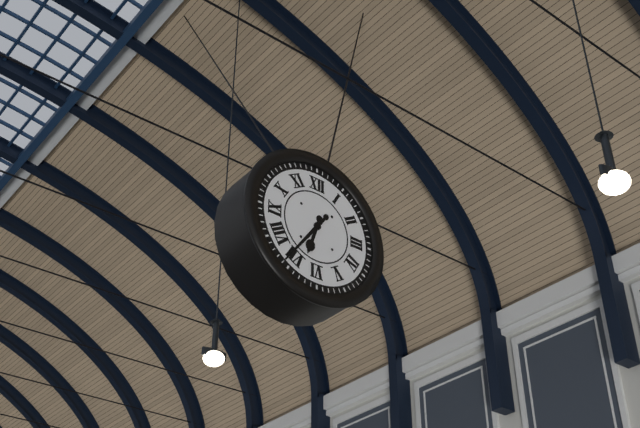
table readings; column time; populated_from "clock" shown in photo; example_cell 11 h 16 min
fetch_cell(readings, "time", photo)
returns 6 h 36 min
